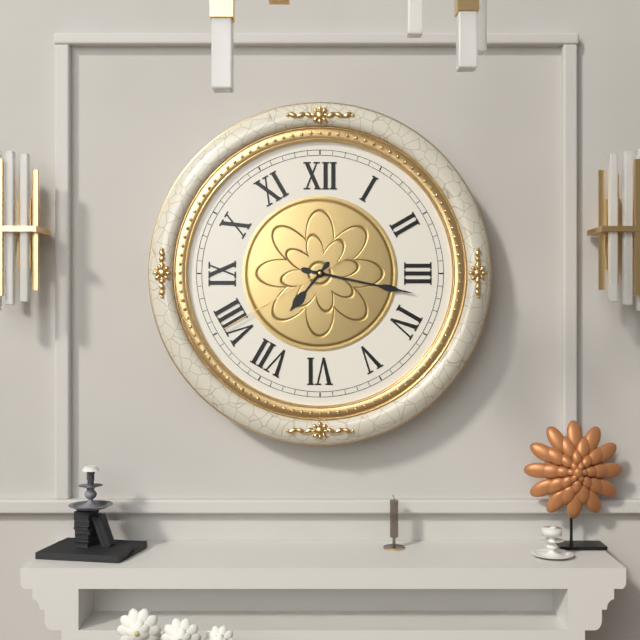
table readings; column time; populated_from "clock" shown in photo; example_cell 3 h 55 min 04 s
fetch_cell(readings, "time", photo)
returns 7 h 17 min 40 s
